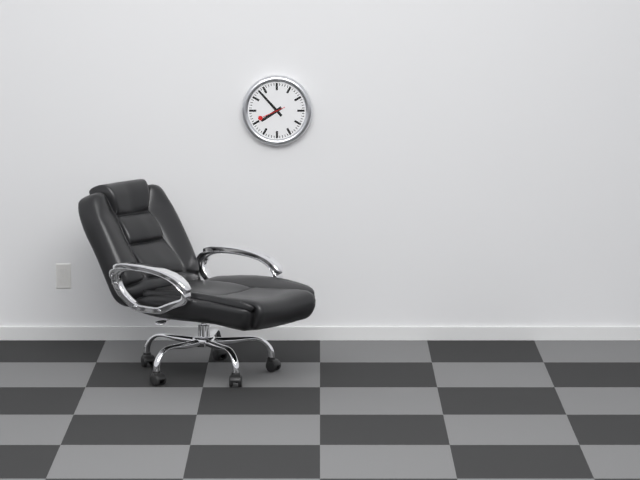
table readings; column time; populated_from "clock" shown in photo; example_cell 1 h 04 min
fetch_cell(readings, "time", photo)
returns 7 h 53 min
